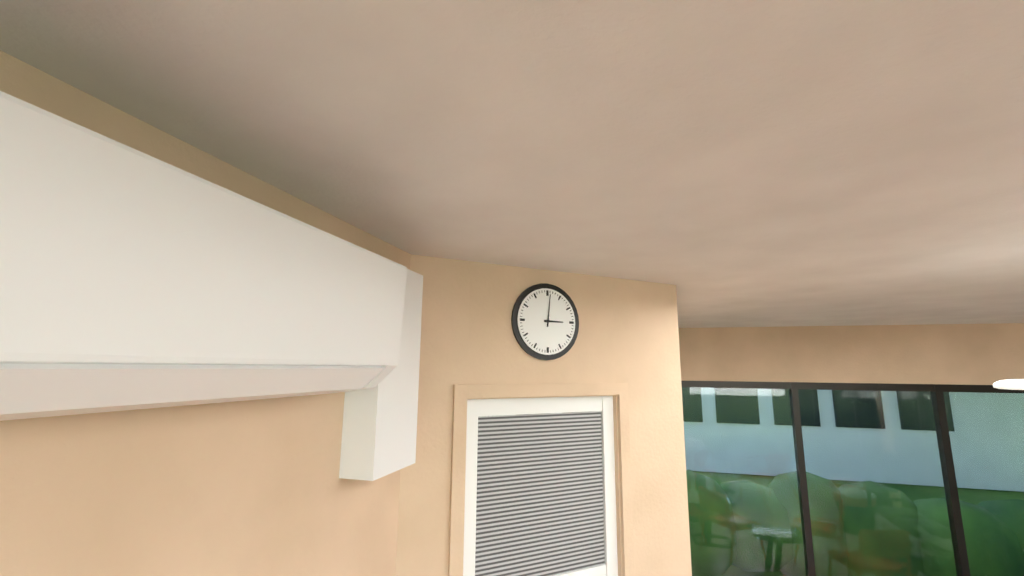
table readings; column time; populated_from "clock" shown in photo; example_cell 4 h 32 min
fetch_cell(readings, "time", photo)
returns 3 h 01 min
